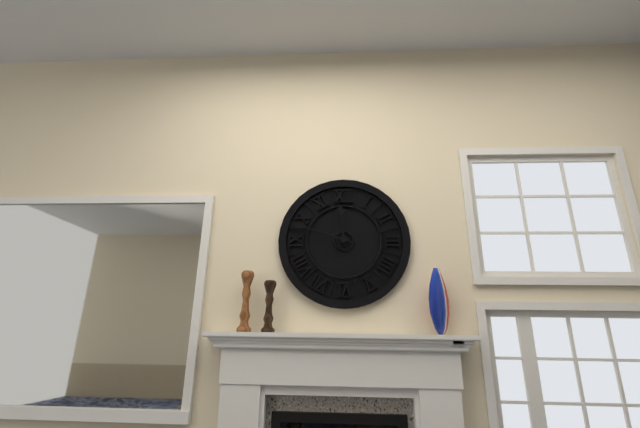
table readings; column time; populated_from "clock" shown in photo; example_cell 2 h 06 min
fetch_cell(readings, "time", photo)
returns 11 h 48 min
